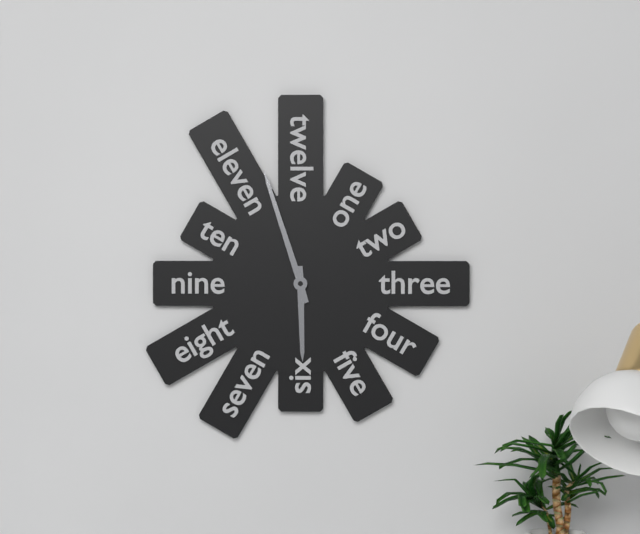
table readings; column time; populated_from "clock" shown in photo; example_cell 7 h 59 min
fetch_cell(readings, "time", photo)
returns 5 h 57 min
